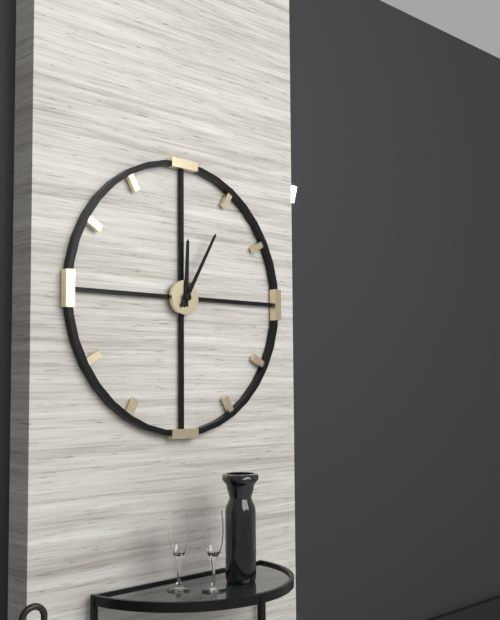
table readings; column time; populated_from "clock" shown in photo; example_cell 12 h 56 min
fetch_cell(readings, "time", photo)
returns 12 h 05 min
